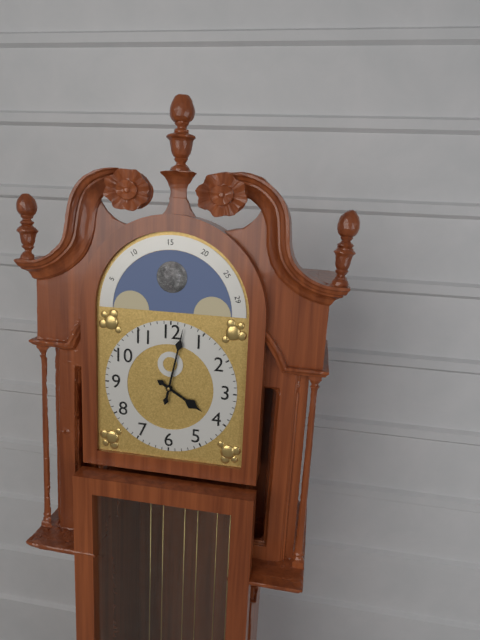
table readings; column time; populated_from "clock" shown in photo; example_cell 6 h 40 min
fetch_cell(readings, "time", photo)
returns 4 h 02 min
